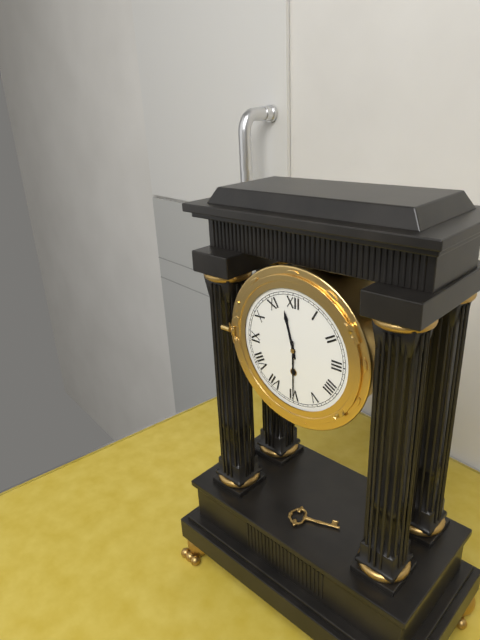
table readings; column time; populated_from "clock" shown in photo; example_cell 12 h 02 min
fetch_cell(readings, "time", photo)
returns 11 h 30 min
